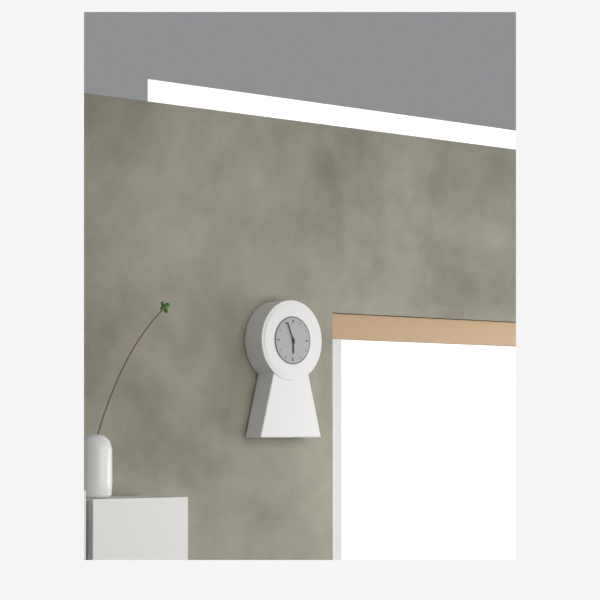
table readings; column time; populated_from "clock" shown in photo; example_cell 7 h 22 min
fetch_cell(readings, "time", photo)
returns 5 h 56 min
